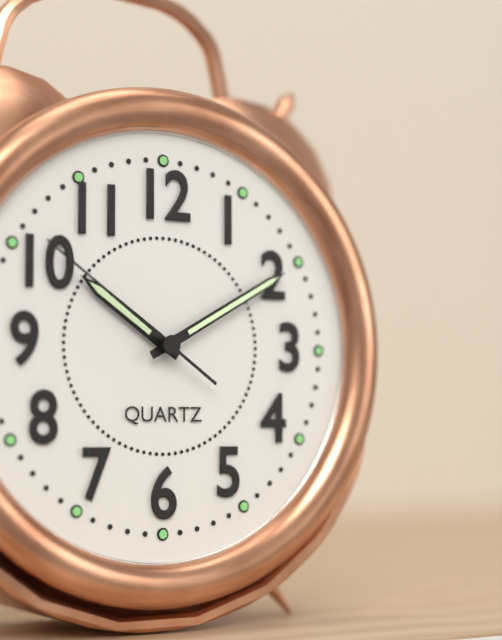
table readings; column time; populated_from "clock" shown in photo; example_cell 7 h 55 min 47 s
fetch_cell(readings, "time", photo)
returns 10 h 10 min 51 s
